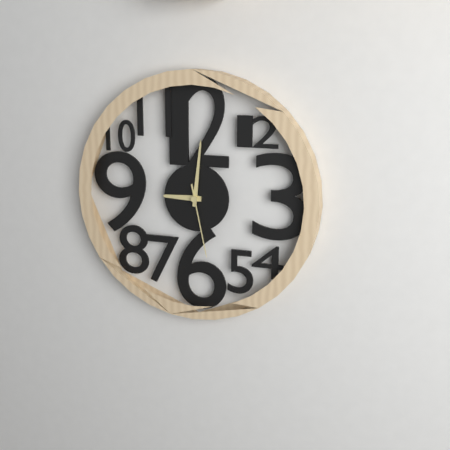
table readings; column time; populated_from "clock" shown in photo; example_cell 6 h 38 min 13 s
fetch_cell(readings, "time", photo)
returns 9 h 01 min 28 s
